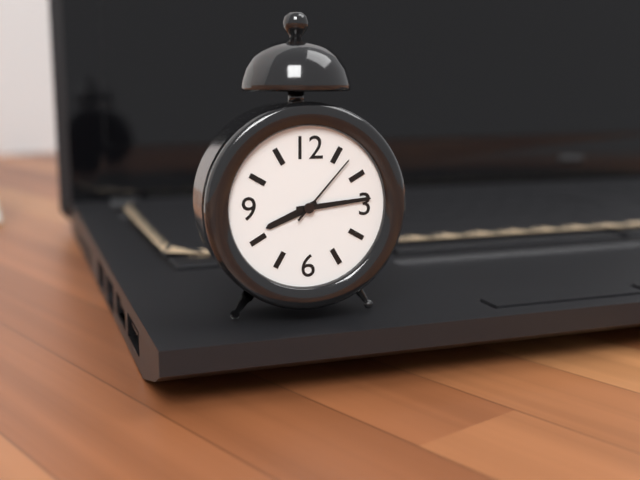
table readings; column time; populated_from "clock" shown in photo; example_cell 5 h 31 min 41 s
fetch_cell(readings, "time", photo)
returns 8 h 14 min 07 s
